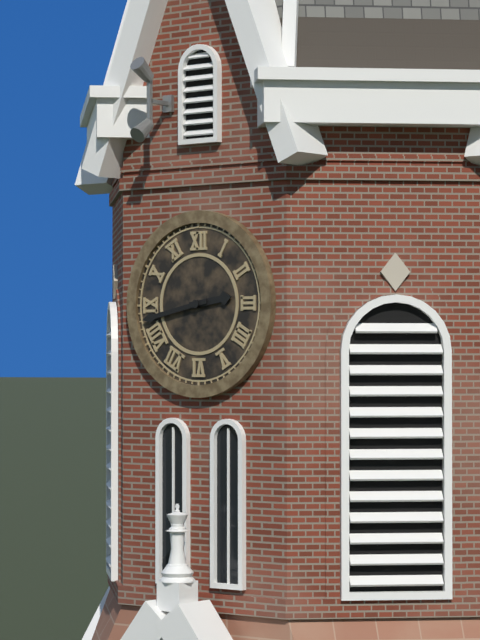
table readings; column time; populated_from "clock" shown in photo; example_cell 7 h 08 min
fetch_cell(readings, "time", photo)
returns 2 h 43 min
